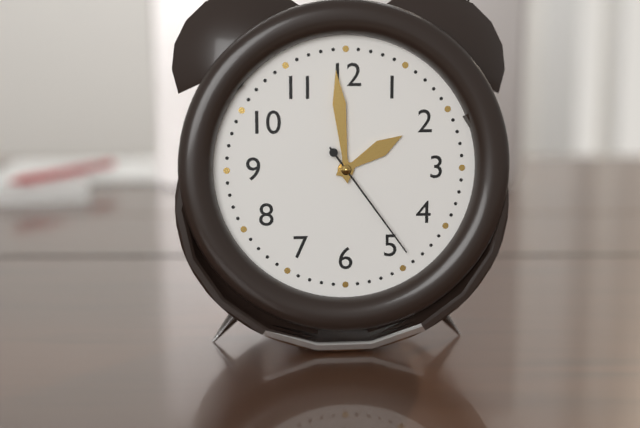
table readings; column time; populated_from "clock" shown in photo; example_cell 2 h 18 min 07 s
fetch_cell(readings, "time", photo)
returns 1 h 59 min 24 s
